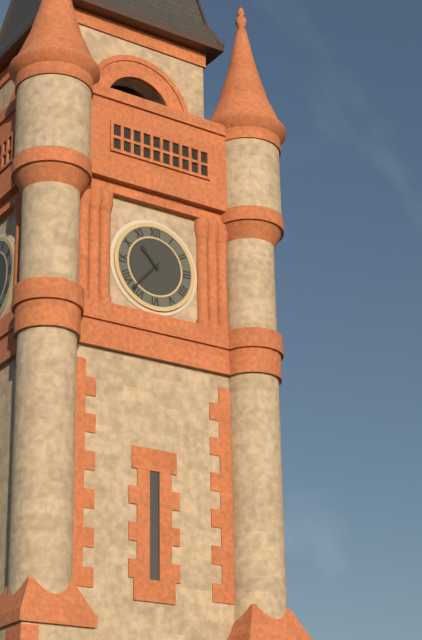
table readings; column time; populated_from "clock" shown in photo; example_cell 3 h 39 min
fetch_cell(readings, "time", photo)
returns 10 h 37 min
